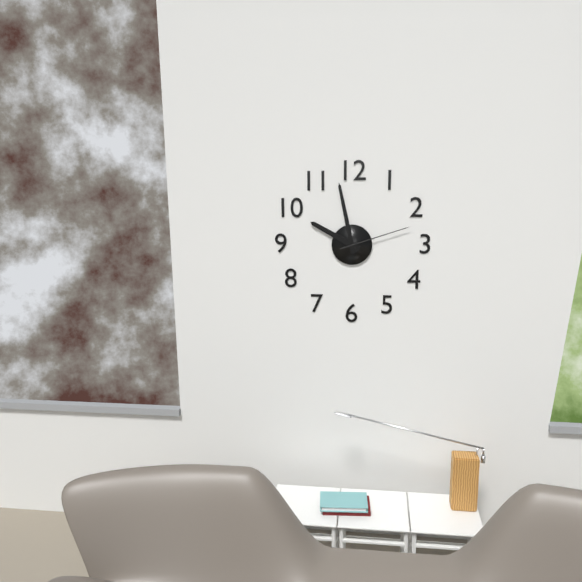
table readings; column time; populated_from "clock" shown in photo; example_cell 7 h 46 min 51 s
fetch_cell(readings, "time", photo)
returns 9 h 58 min 12 s
